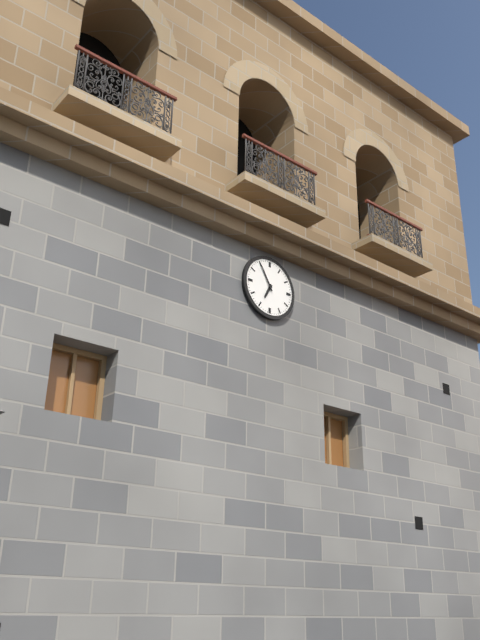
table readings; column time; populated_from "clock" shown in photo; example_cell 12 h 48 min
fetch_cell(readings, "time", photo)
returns 6 h 55 min
